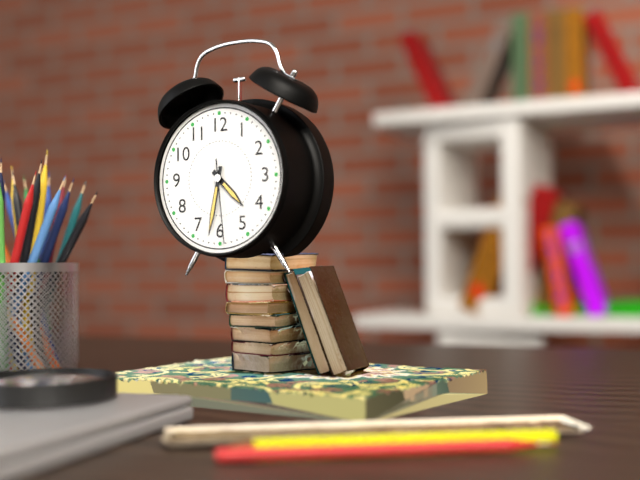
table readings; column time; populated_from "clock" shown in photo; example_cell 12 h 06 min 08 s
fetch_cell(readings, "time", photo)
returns 4 h 32 min 29 s
